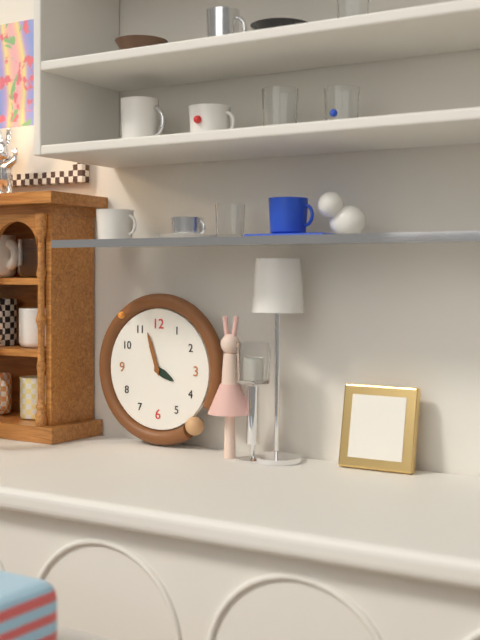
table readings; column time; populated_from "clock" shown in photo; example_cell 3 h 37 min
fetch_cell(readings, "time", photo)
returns 3 h 57 min
